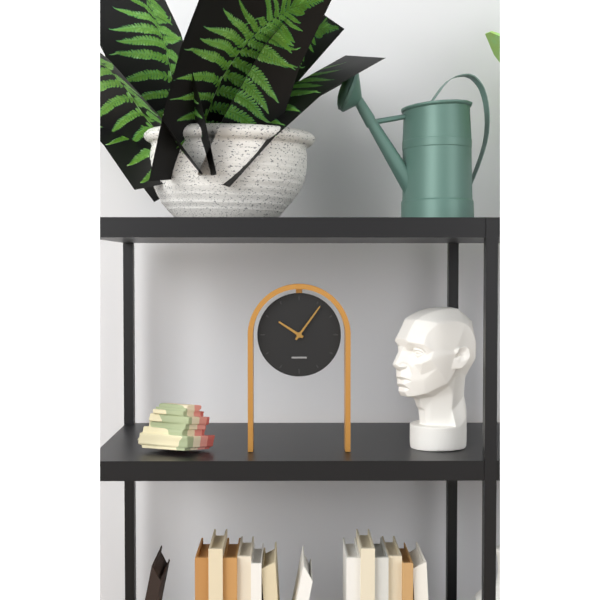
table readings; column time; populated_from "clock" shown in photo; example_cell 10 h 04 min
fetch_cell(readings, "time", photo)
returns 10 h 06 min
